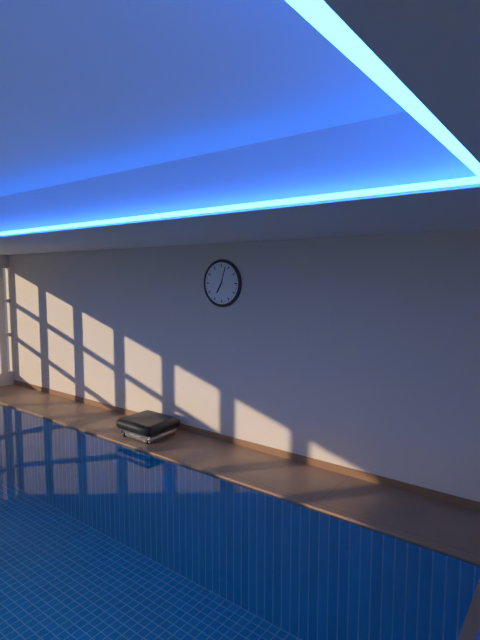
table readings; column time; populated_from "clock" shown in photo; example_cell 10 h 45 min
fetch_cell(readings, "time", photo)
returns 7 h 03 min
